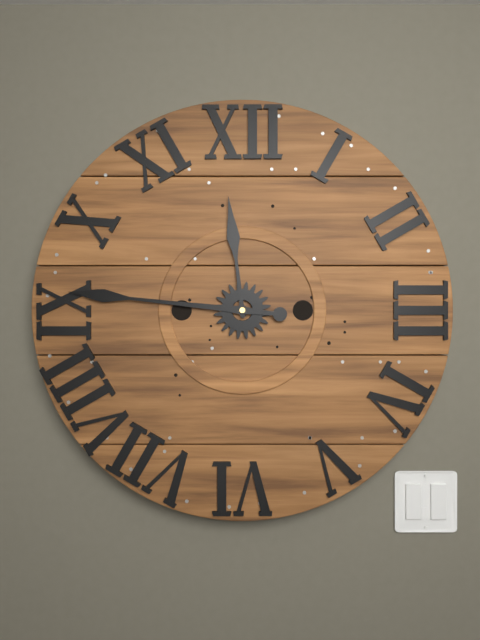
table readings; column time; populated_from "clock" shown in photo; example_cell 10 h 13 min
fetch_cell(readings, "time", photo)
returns 11 h 46 min
